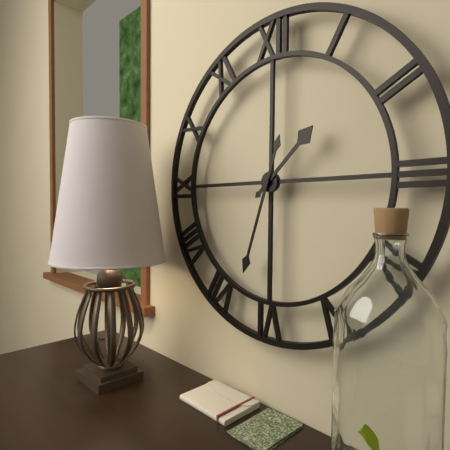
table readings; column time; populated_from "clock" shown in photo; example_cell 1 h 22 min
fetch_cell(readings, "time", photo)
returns 1 h 33 min
